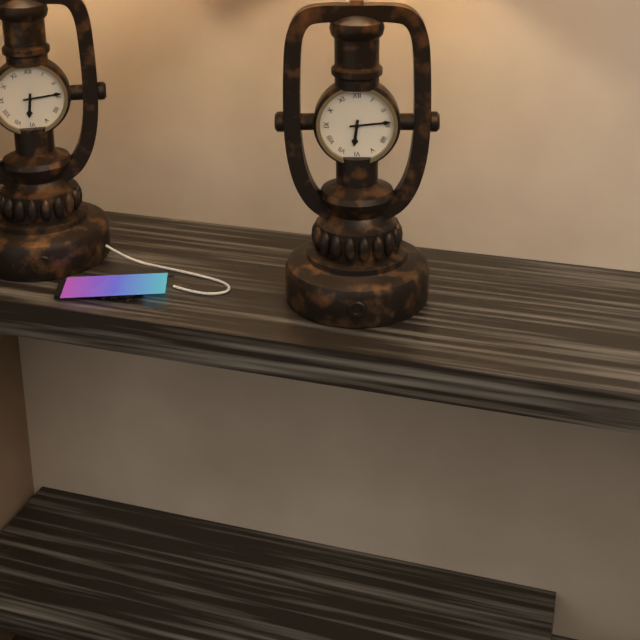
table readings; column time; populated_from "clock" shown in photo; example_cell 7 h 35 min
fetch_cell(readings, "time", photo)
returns 6 h 14 min
